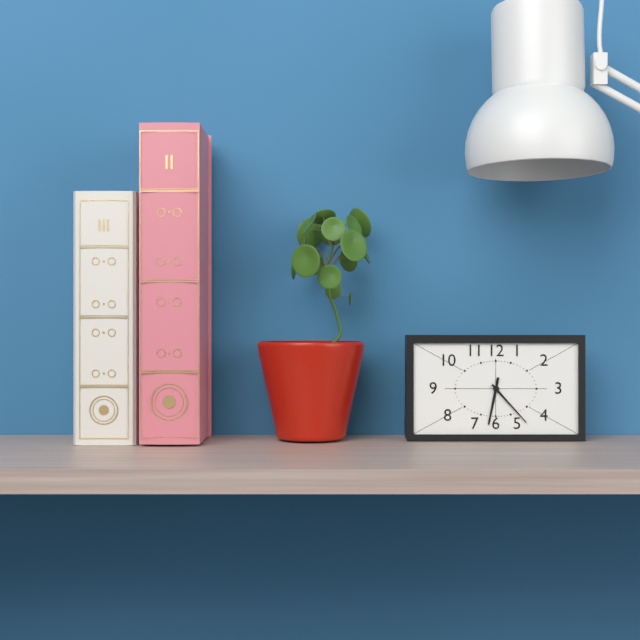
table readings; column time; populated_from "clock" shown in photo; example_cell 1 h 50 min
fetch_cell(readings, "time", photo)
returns 6 h 23 min
